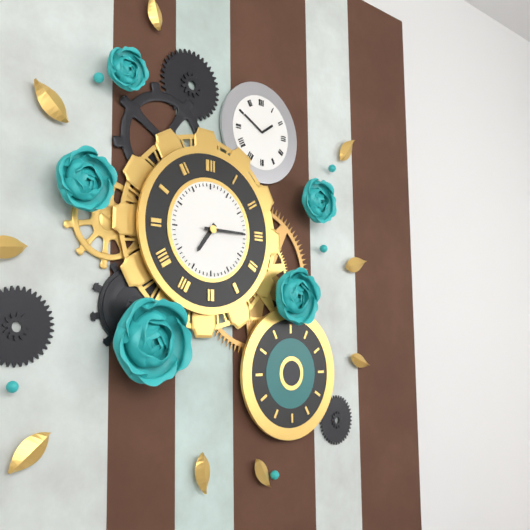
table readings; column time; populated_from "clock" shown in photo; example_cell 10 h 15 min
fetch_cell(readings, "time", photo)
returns 7 h 15 min
